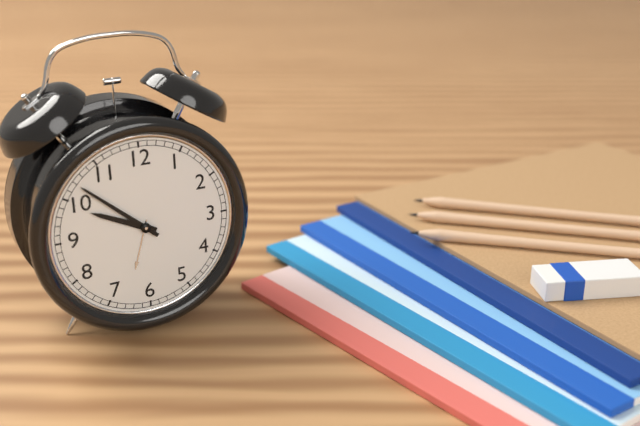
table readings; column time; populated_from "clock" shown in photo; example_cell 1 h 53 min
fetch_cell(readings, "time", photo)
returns 9 h 52 min
